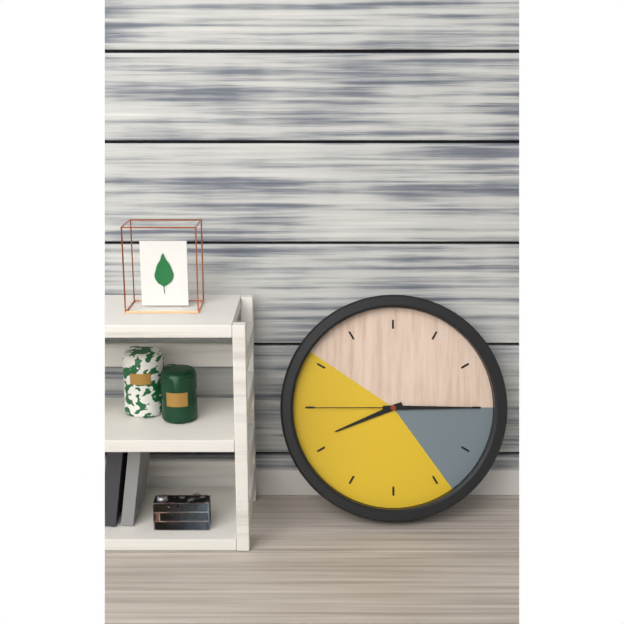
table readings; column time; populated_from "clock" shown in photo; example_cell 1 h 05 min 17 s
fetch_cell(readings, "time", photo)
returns 8 h 15 min 45 s
